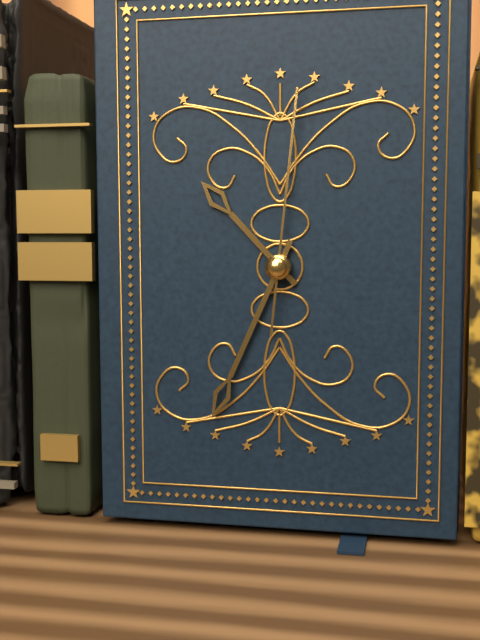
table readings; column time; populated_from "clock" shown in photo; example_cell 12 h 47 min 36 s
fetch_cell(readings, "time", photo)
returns 10 h 34 min 01 s
